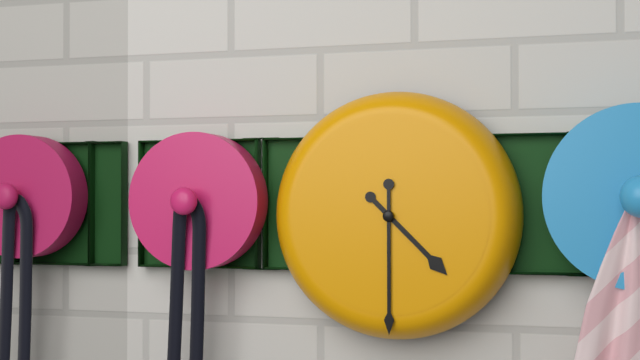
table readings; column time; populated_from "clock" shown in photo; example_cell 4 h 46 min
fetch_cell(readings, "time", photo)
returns 4 h 30 min
